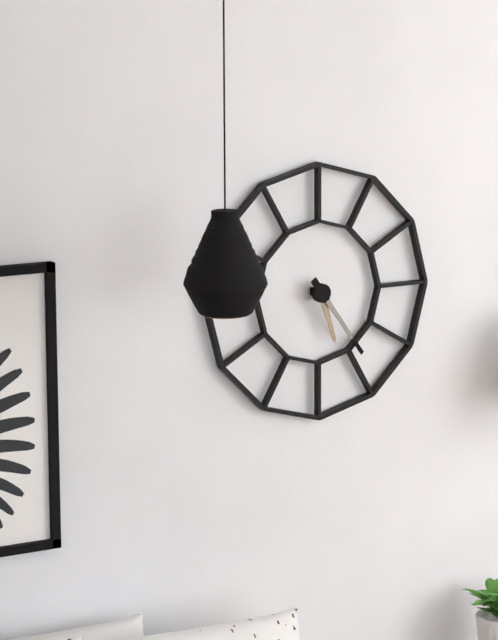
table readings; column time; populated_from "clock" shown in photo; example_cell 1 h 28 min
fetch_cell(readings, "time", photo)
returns 5 h 24 min
